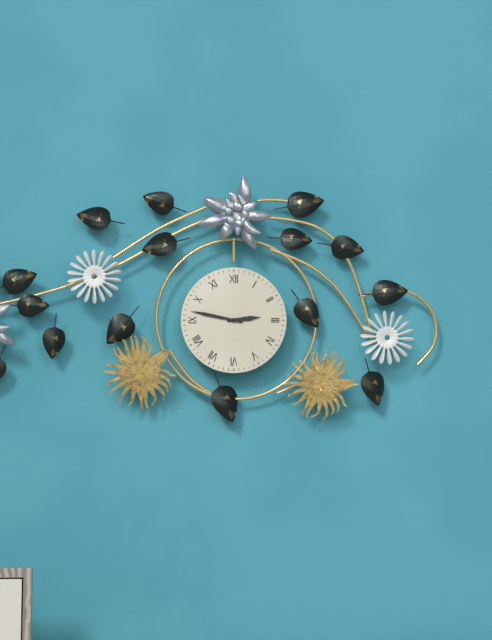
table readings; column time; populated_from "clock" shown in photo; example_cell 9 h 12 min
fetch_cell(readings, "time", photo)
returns 2 h 47 min
